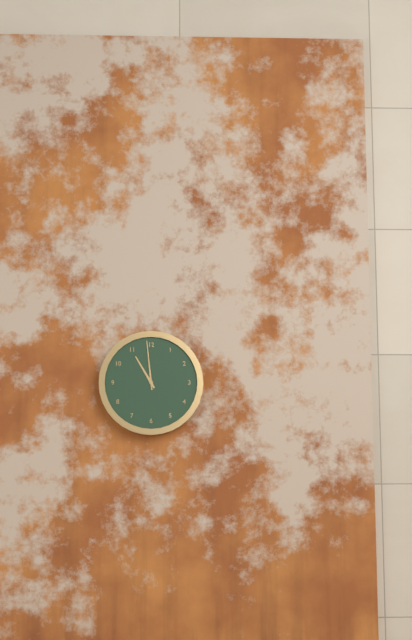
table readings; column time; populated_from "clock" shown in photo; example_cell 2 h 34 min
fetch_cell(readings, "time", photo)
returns 10 h 59 min
